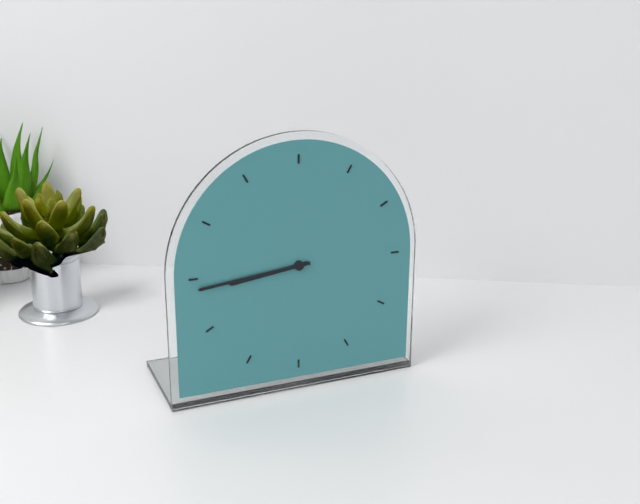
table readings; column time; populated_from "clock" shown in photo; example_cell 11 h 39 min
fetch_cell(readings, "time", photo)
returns 8 h 44 min
